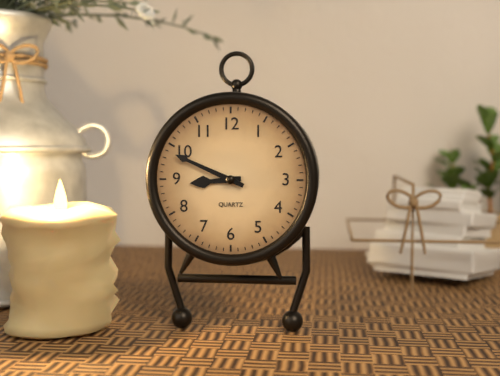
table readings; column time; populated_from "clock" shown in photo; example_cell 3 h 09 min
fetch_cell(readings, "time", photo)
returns 8 h 49 min
